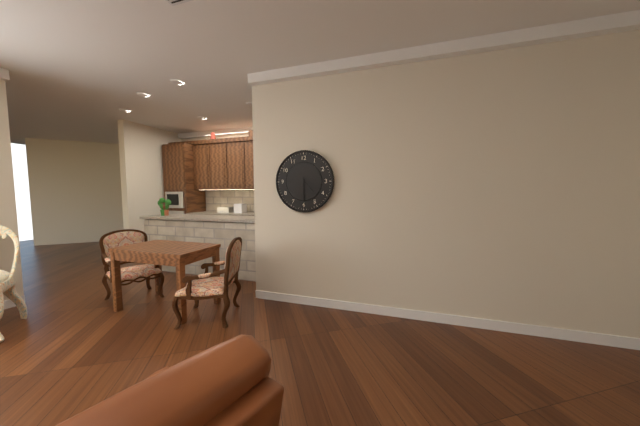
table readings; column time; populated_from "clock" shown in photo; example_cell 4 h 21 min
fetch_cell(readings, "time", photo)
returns 4 h 30 min
